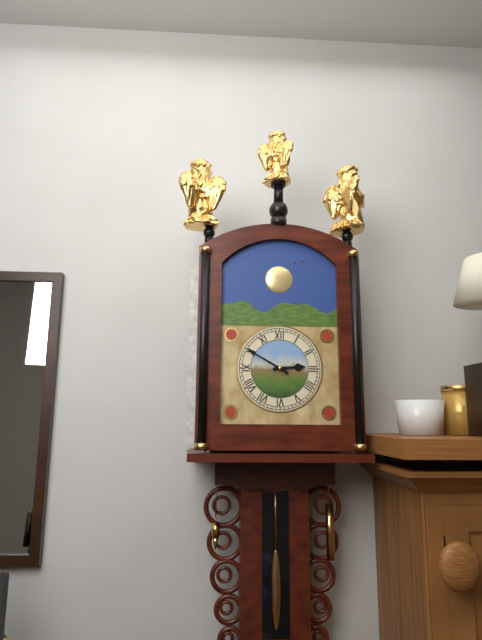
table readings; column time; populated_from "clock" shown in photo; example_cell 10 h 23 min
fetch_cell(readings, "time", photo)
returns 2 h 50 min
